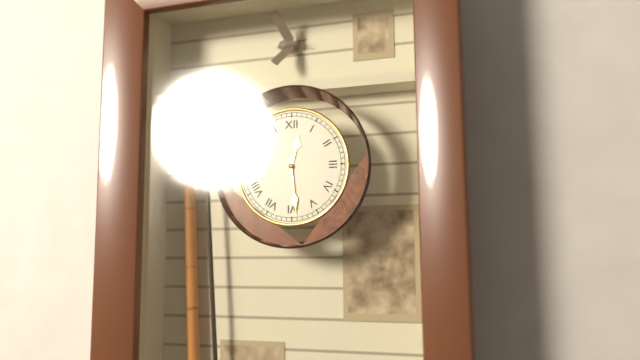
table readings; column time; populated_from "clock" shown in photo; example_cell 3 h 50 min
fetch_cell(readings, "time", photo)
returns 12 h 29 min
